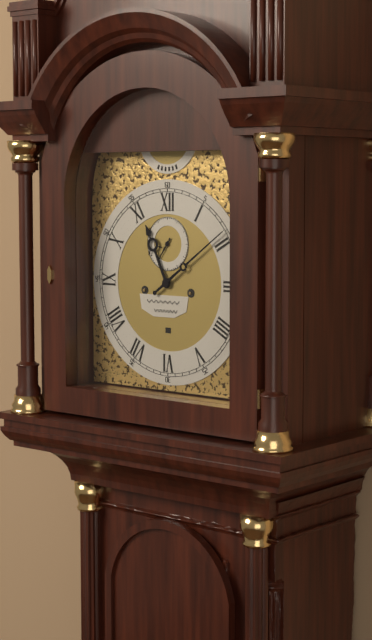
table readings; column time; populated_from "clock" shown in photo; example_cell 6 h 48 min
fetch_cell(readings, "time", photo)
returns 11 h 09 min
